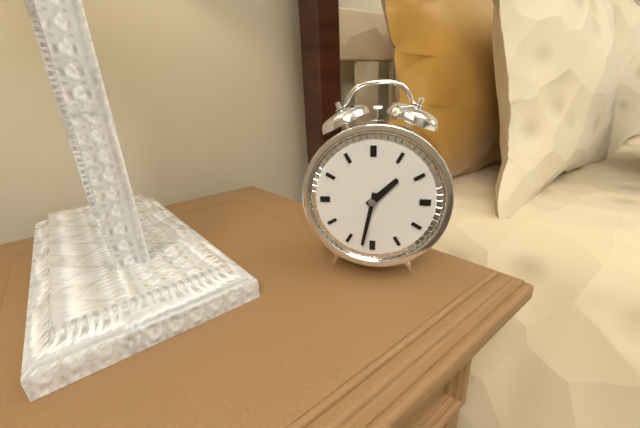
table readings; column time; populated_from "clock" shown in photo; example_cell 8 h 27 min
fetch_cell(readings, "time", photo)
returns 1 h 32 min
